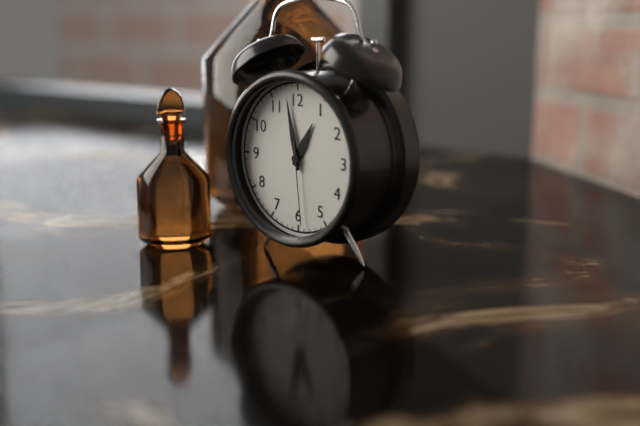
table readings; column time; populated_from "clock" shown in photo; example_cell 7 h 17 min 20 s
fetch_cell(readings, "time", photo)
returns 12 h 58 min 29 s
